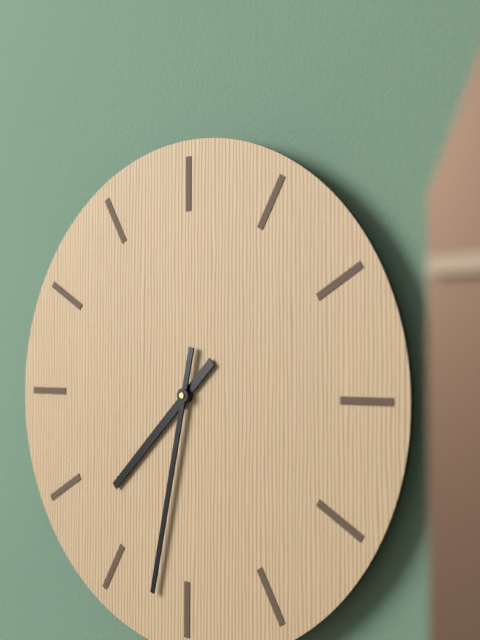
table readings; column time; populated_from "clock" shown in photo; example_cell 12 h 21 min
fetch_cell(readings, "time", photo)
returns 7 h 32 min
